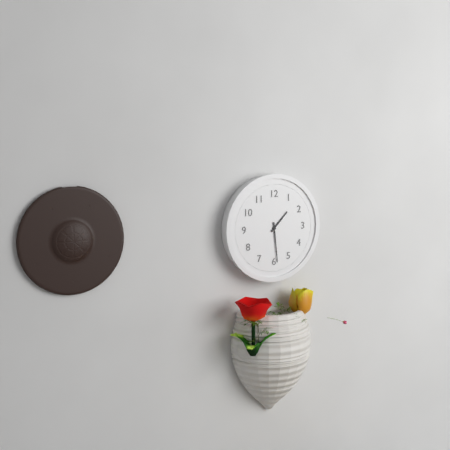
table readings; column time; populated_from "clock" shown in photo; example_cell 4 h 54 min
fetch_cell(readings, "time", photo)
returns 1 h 29 min
